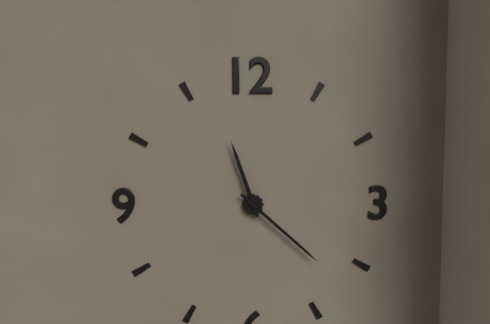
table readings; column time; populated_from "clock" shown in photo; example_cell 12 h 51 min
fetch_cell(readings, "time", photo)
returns 11 h 22 min
